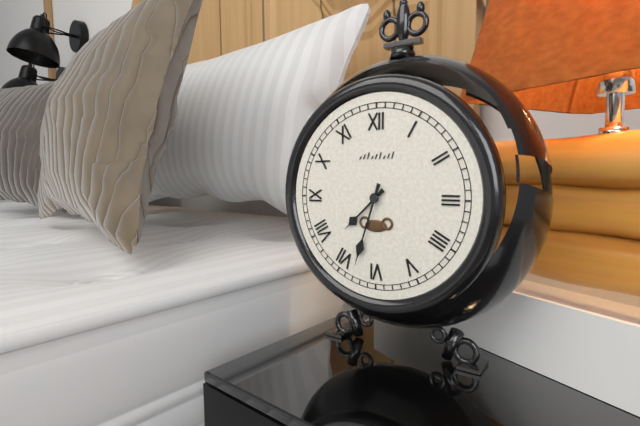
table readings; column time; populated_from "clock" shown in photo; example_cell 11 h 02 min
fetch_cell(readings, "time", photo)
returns 7 h 33 min
